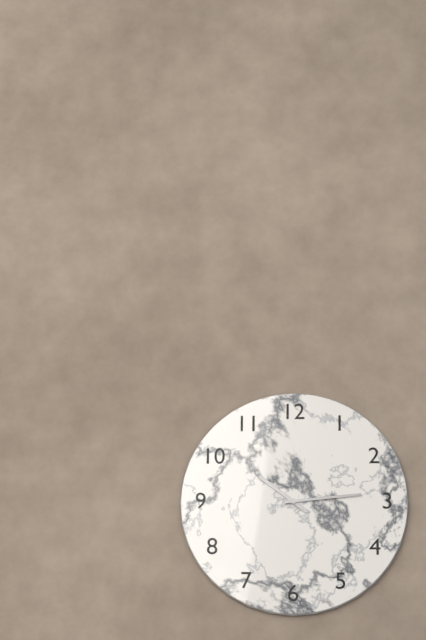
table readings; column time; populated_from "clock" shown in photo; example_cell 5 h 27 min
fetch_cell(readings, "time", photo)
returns 10 h 14 min
